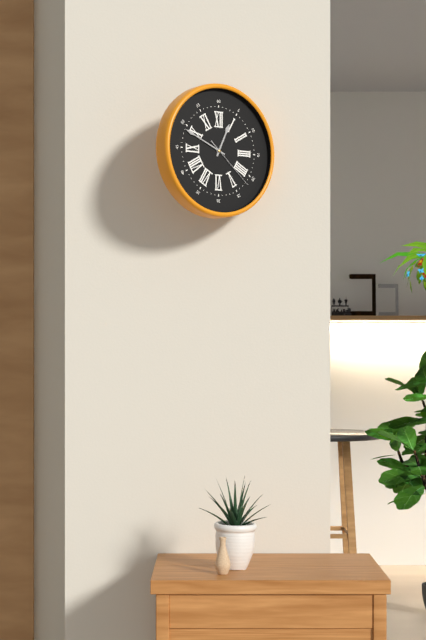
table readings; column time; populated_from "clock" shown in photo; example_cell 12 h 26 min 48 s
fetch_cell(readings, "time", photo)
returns 12 h 49 min 22 s
